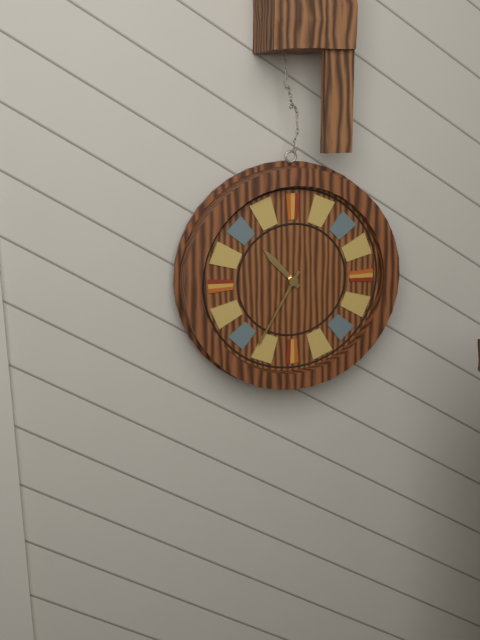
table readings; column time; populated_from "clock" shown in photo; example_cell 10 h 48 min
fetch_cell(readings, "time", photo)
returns 10 h 35 min
